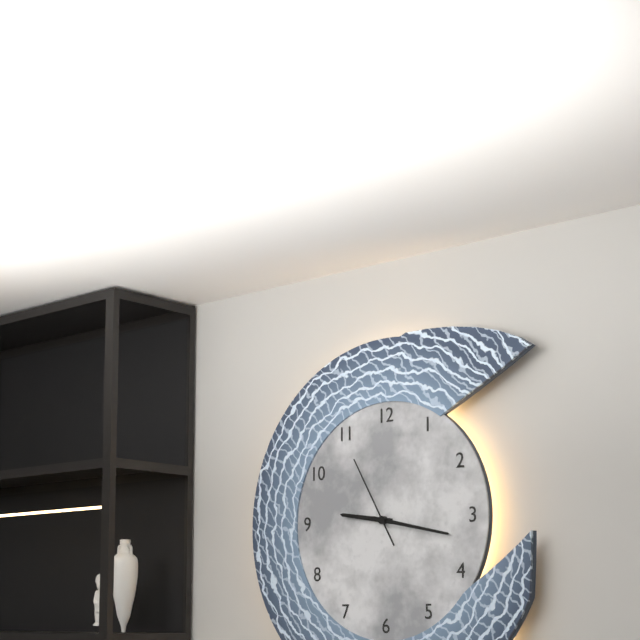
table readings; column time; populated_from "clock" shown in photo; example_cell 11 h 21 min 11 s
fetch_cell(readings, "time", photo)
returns 9 h 17 min 55 s
